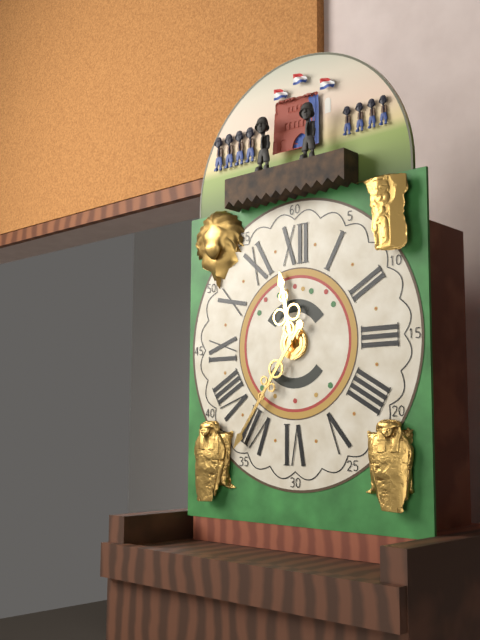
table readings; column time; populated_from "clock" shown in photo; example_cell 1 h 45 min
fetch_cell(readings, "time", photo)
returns 11 h 36 min
